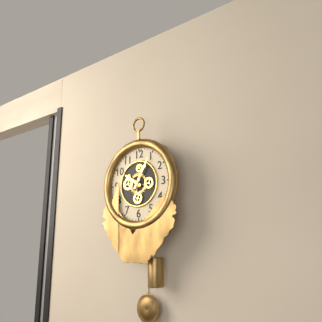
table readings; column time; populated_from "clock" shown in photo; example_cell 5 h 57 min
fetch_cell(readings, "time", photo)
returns 10 h 05 min
